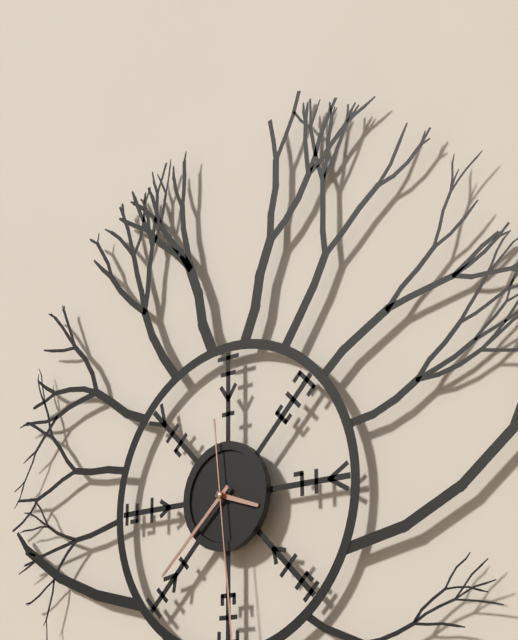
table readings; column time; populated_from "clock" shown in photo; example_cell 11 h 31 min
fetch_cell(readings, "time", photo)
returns 3 h 38 min
